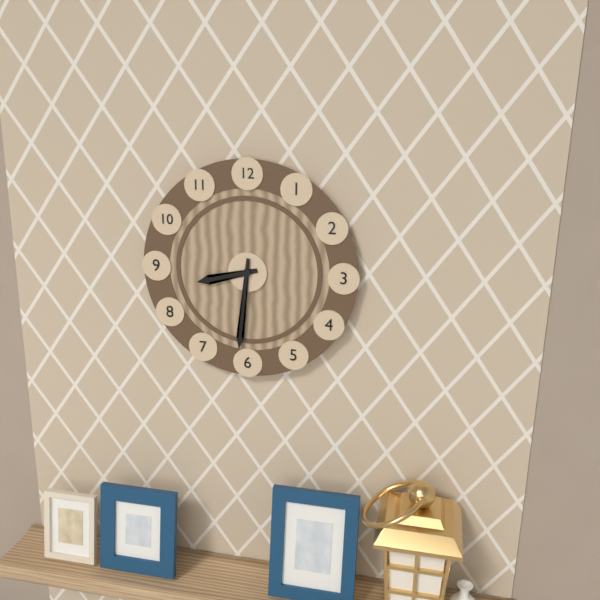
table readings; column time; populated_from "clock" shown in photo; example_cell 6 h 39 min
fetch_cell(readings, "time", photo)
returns 8 h 31 min
